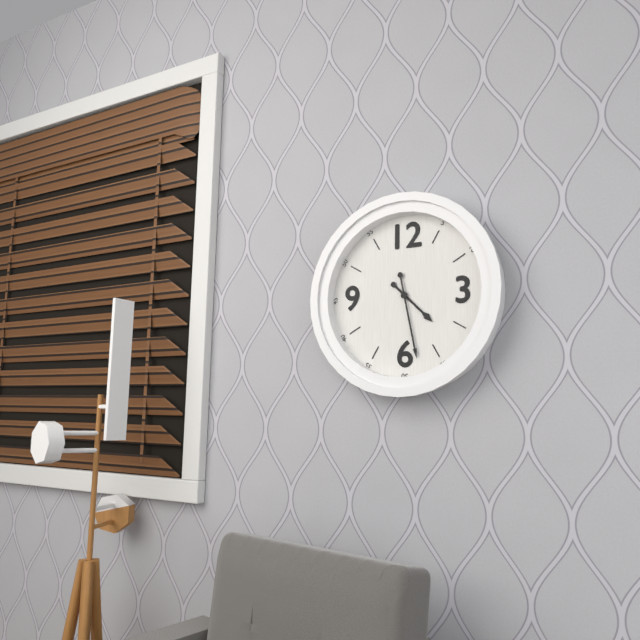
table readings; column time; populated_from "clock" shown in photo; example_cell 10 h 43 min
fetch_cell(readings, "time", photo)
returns 4 h 28 min
